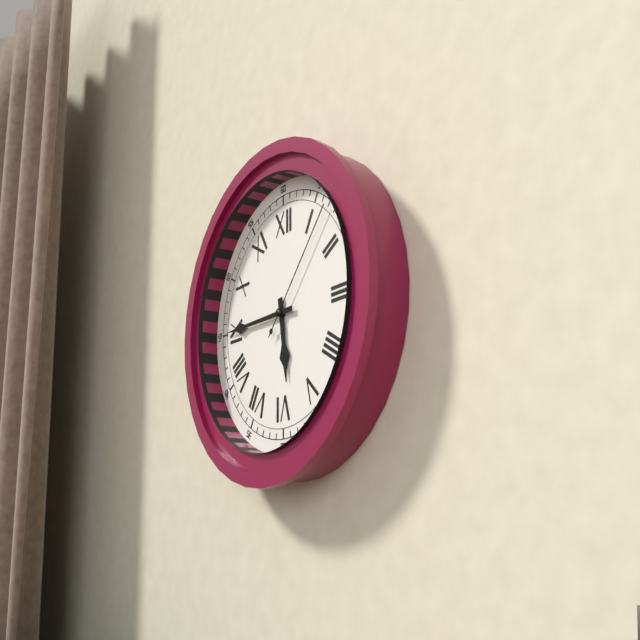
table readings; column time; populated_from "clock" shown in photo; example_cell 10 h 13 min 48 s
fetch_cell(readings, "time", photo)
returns 5 h 45 min 07 s
